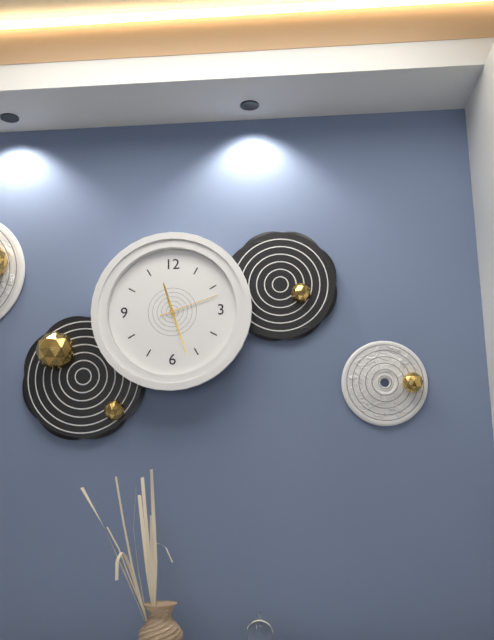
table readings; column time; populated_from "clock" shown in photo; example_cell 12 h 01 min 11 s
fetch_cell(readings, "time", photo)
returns 11 h 27 min 12 s
